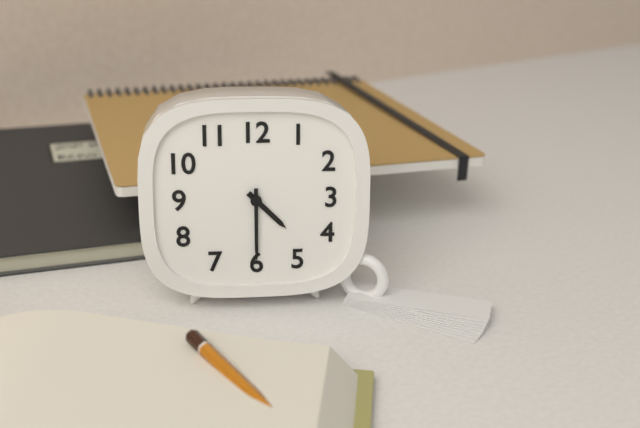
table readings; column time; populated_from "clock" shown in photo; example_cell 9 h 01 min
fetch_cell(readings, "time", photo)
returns 4 h 30 min
